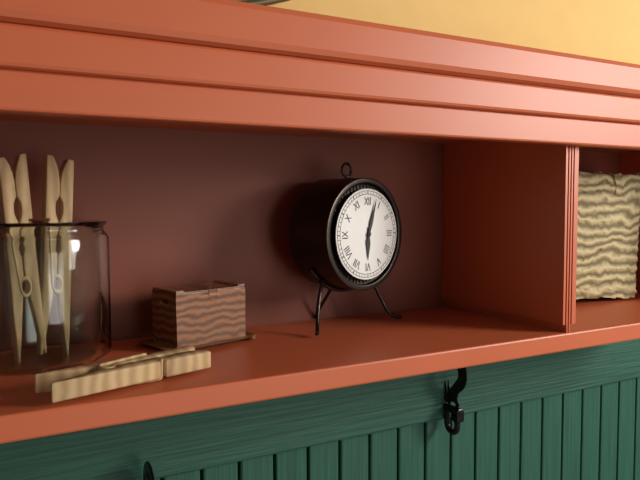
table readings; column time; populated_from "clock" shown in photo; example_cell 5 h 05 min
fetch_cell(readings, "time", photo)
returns 6 h 03 min
